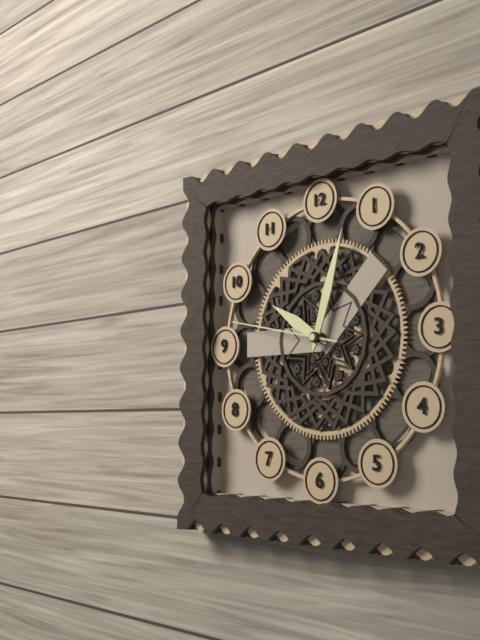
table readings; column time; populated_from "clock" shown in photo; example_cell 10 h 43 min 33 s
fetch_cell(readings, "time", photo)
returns 10 h 03 min 47 s
